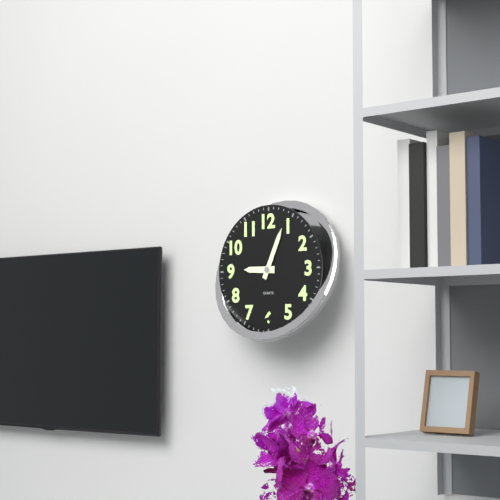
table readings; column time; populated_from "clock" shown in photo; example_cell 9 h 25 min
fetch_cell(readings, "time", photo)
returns 9 h 04 min
